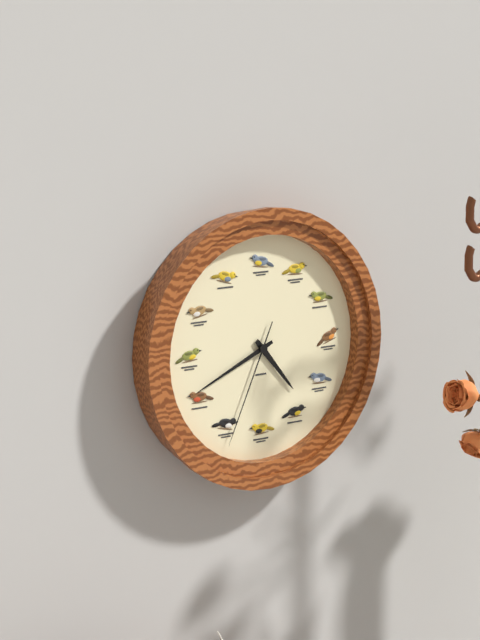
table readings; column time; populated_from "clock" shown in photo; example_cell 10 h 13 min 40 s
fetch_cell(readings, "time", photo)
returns 4 h 41 min 34 s
